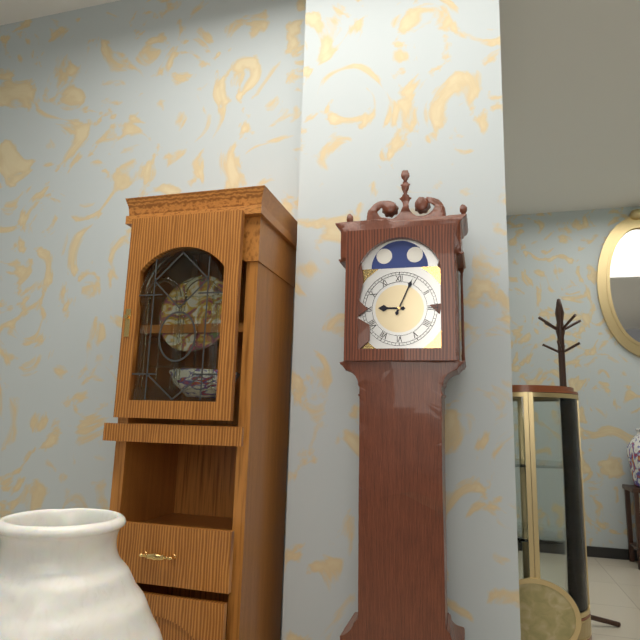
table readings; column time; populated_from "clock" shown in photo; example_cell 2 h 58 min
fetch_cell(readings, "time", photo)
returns 9 h 04 min
